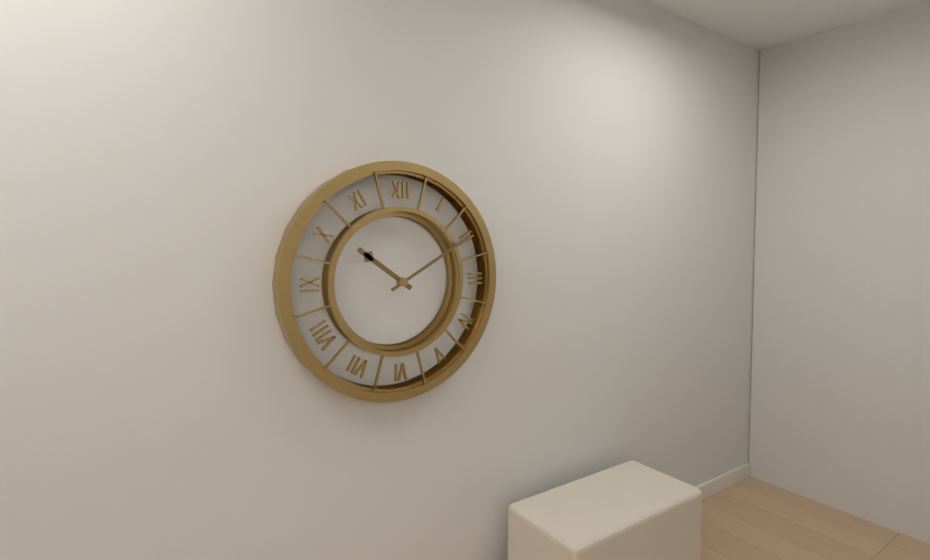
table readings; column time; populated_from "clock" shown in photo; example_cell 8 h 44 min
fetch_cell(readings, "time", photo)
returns 10 h 10 min
